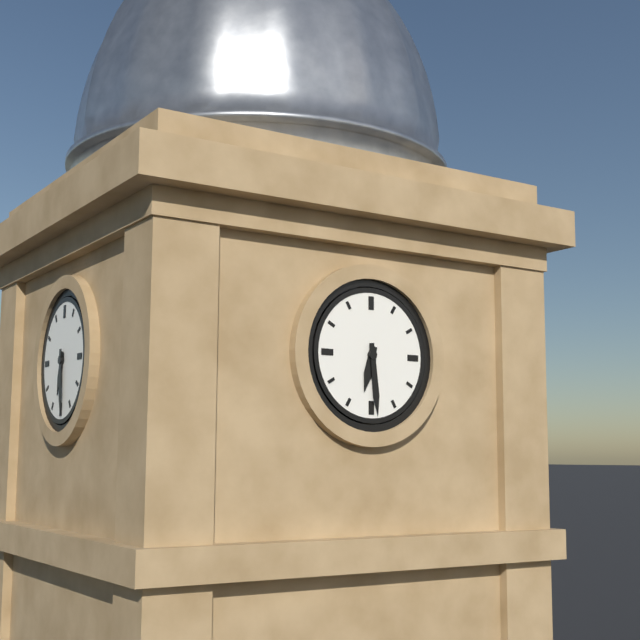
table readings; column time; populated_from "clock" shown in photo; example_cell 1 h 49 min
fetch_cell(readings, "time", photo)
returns 6 h 29 min
